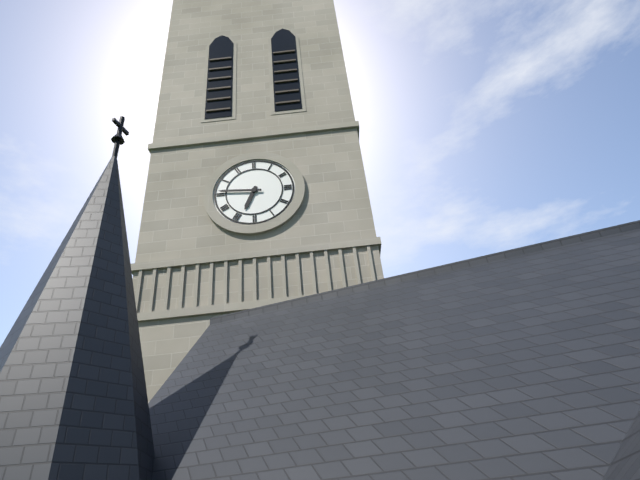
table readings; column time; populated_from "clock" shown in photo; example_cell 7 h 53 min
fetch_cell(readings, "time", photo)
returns 6 h 46 min
